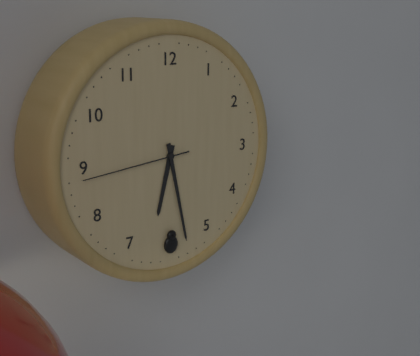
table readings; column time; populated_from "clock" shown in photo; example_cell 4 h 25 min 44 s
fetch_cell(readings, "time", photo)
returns 6 h 28 min 44 s
